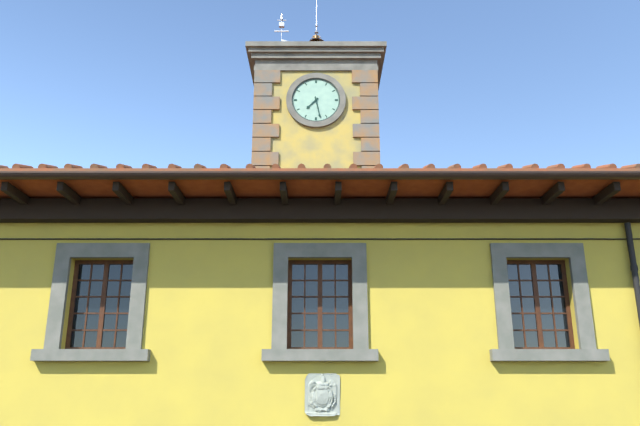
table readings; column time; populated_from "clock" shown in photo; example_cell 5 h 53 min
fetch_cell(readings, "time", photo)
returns 7 h 28 min
